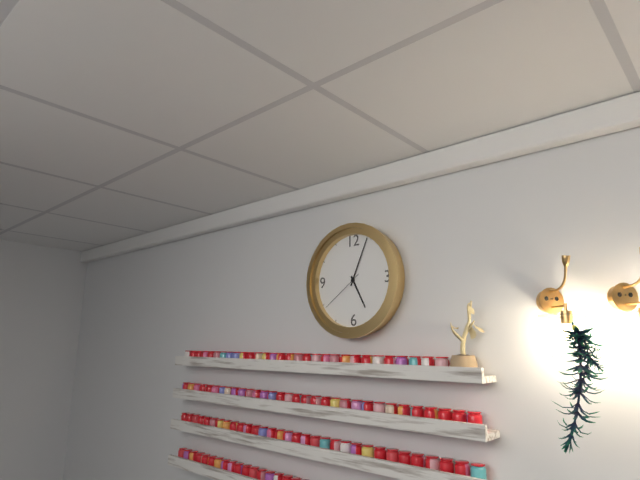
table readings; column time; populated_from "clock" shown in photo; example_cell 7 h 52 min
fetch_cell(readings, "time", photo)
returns 5 h 04 min
